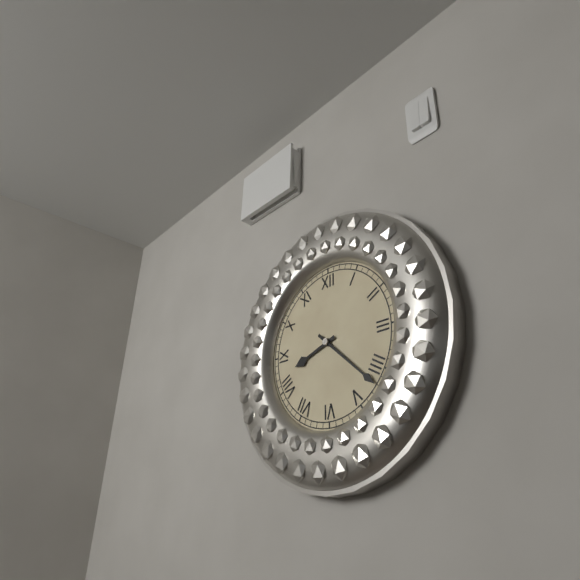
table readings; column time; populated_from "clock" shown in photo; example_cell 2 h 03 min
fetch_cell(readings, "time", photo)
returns 8 h 22 min
